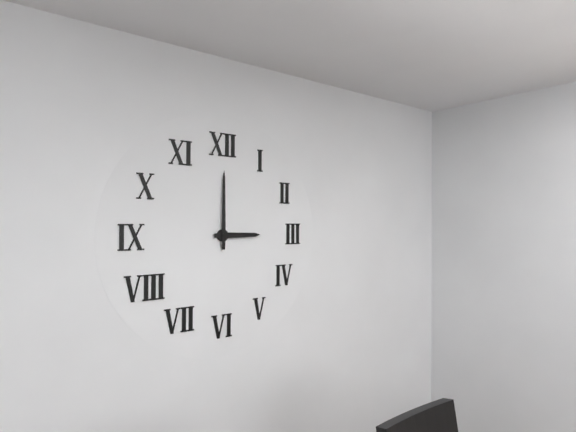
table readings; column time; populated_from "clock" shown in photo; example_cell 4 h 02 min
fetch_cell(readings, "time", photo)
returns 3 h 00 min
